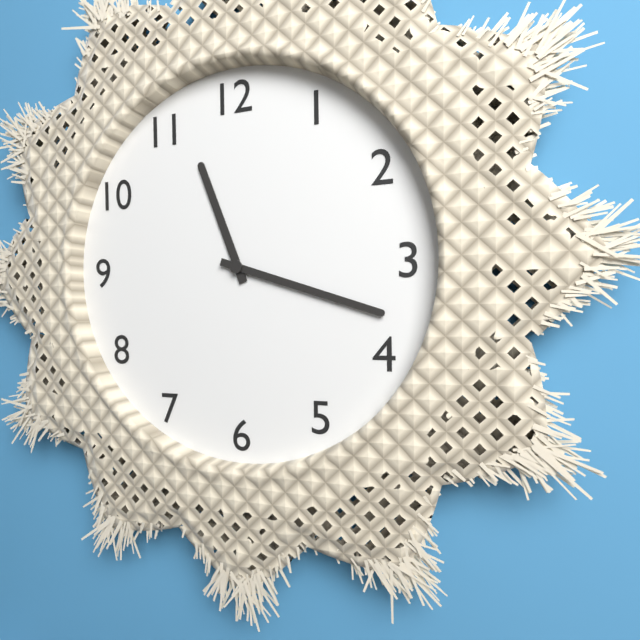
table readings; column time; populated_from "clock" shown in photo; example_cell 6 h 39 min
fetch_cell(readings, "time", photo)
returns 11 h 18 min
